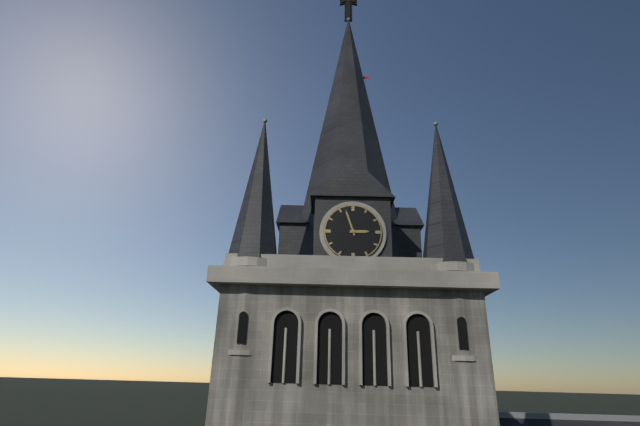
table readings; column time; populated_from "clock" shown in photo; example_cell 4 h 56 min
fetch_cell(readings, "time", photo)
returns 2 h 57 min
